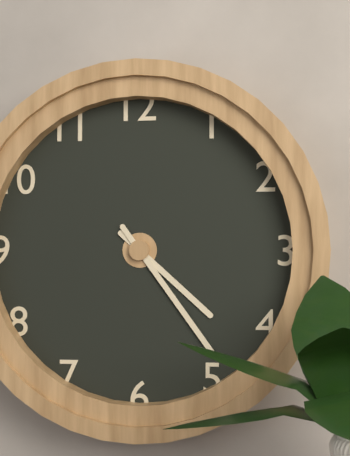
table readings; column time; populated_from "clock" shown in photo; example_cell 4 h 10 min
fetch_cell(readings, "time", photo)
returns 4 h 24 min
